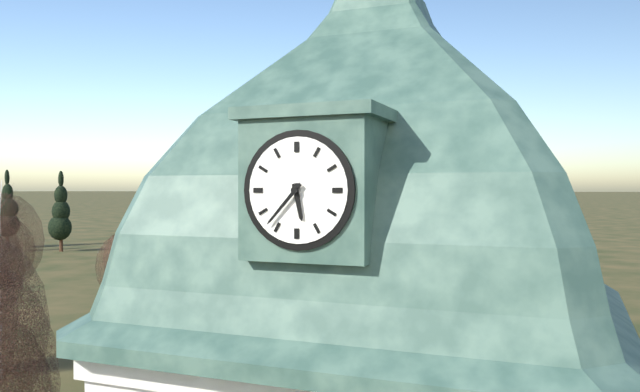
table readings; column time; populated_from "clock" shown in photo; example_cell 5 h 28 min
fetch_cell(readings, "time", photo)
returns 5 h 37 min
